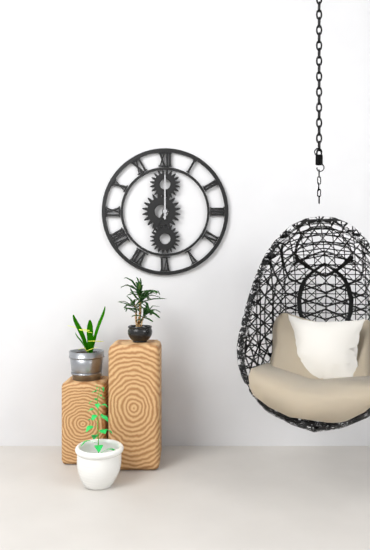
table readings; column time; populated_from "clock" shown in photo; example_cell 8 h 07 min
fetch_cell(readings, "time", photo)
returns 7 h 00 min
